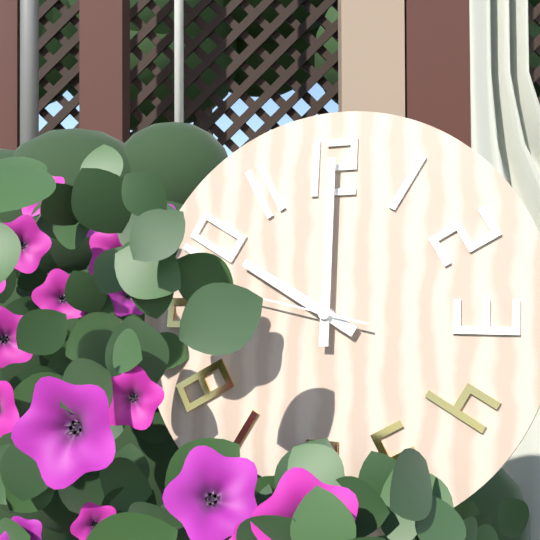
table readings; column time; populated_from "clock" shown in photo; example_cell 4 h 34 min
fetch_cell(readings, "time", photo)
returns 10 h 00 min
